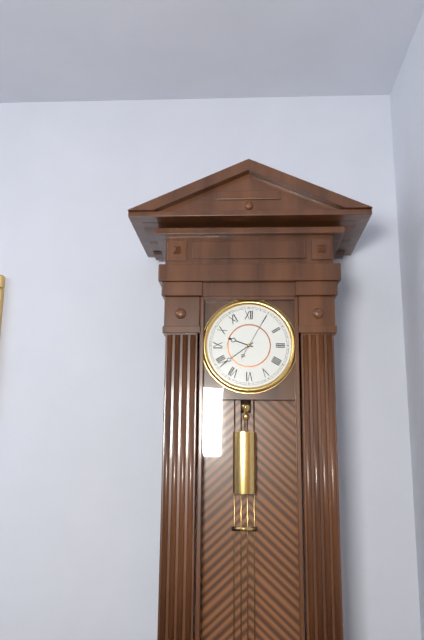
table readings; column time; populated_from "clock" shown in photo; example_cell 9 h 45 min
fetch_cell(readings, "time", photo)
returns 9 h 39 min
